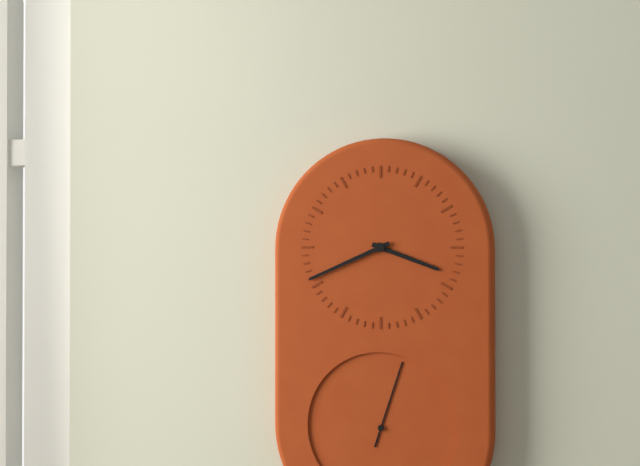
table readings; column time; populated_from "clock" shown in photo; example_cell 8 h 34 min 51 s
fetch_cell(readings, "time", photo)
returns 3 h 41 min 03 s
